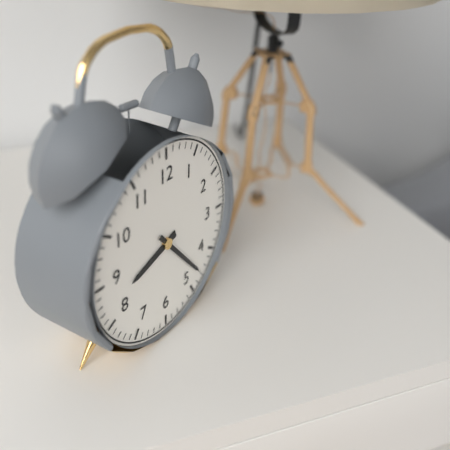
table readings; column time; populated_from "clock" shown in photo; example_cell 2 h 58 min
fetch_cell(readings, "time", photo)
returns 8 h 23 min
